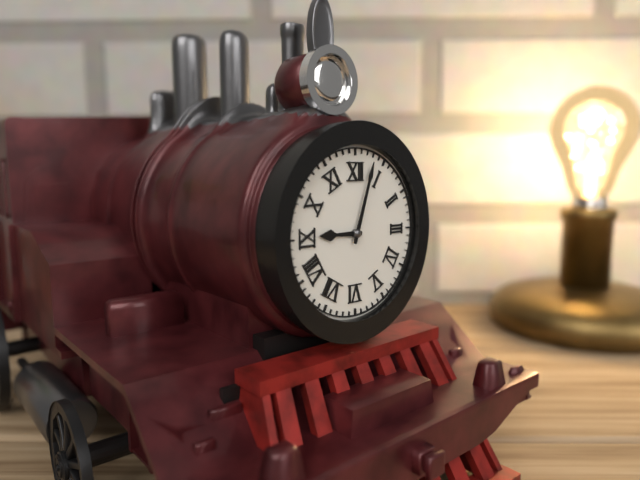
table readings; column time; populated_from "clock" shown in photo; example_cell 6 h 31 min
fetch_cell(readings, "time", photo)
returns 9 h 03 min
